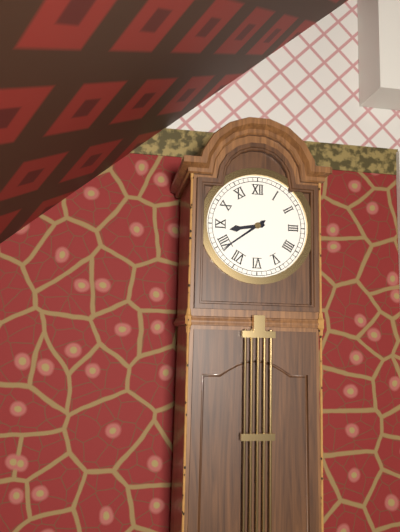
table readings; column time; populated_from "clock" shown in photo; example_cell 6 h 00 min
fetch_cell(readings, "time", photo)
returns 8 h 39 min
